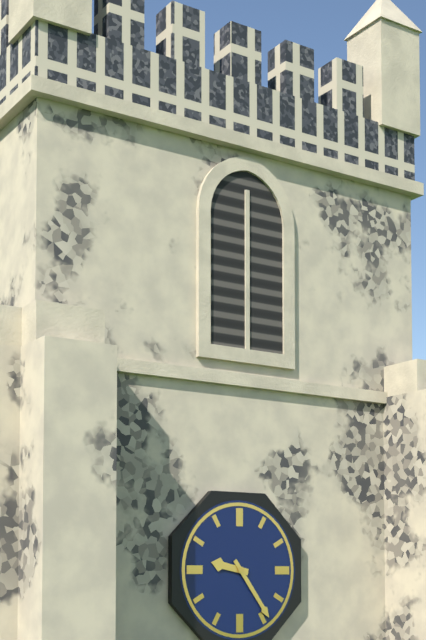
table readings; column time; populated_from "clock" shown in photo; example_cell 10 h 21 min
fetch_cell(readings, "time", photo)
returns 9 h 24 min
